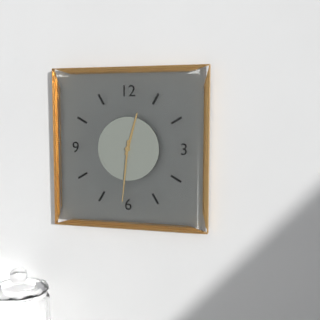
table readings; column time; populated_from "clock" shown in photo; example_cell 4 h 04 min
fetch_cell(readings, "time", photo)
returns 12 h 31 min
